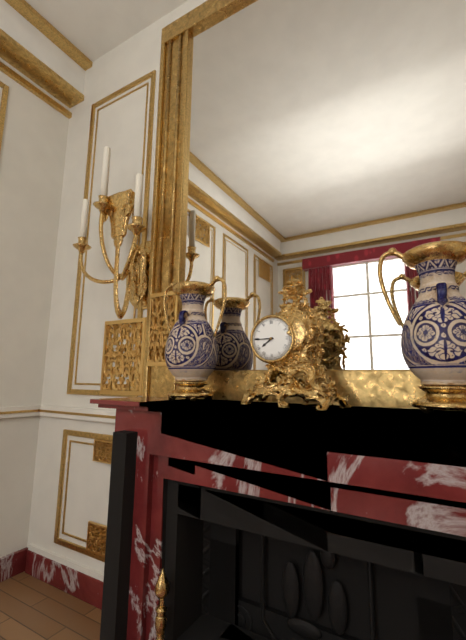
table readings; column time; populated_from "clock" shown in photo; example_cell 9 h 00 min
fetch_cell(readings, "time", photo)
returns 7 h 45 min
